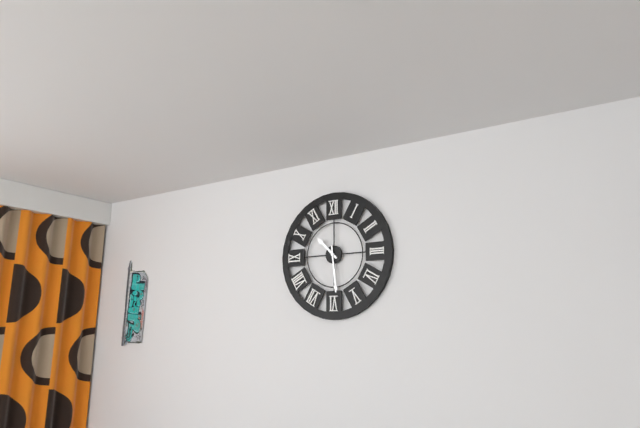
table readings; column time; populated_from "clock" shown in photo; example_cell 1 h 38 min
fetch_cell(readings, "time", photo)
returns 10 h 29 min
